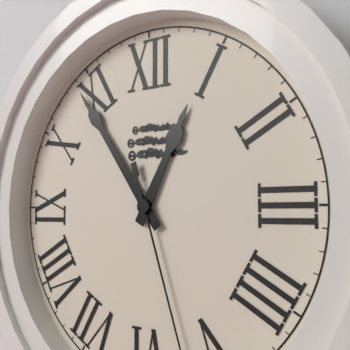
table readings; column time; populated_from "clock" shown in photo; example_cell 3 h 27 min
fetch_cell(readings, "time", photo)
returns 12 h 54 min
